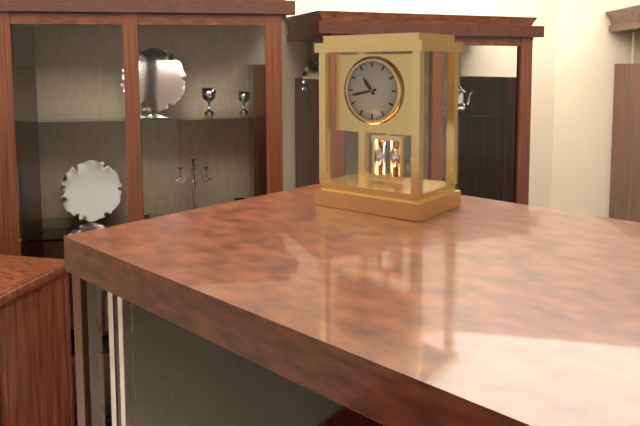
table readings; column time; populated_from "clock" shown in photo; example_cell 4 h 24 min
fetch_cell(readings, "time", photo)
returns 10 h 43 min
